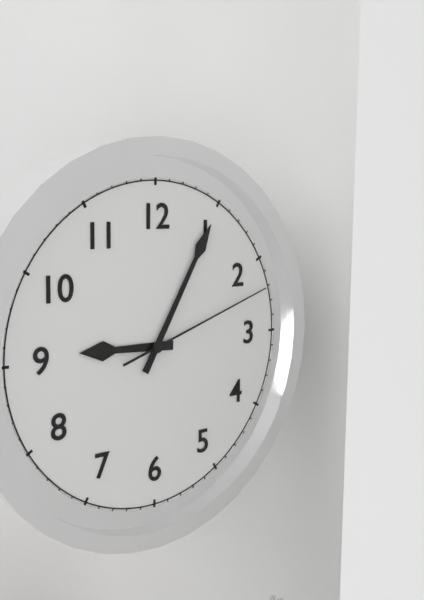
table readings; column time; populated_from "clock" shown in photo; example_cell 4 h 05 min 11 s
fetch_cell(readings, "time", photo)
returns 9 h 05 min 12 s
